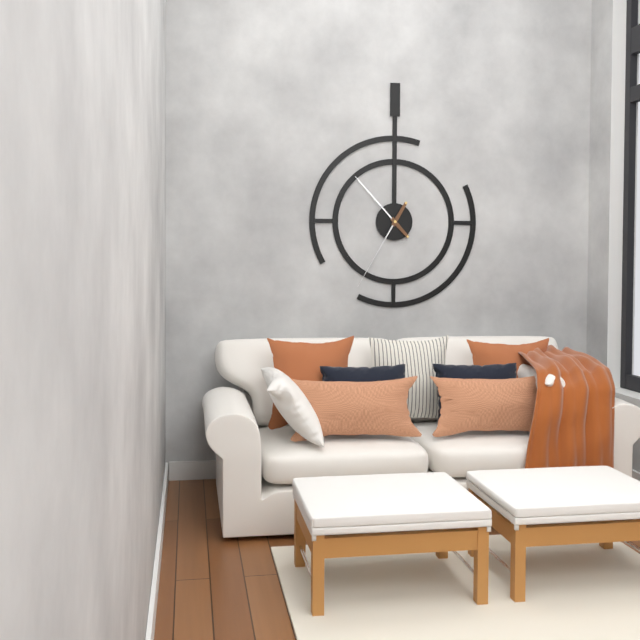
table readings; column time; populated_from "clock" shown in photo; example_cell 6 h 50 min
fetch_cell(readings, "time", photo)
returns 10 h 35 min
